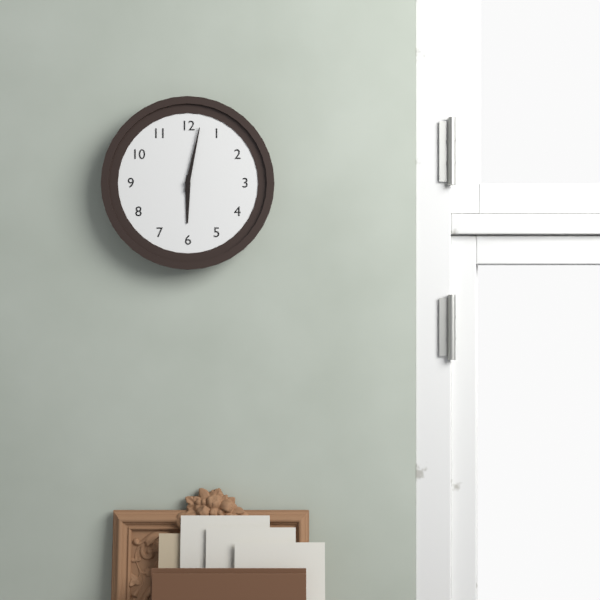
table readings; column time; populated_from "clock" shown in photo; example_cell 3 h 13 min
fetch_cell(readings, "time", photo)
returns 6 h 02 min
